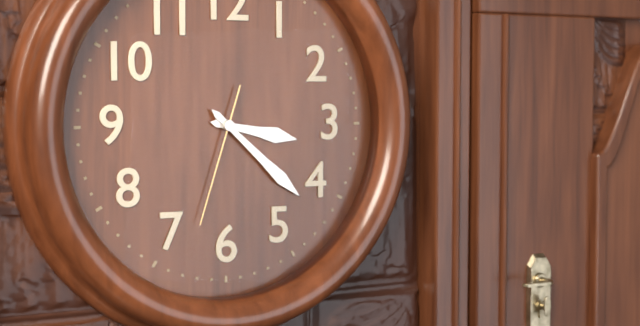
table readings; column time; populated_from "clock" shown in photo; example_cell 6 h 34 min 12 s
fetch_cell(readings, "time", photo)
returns 3 h 22 min 33 s
